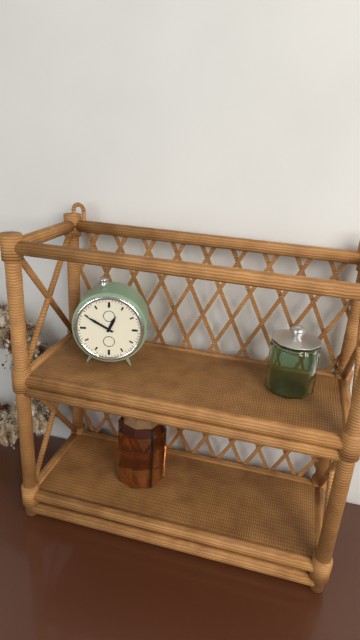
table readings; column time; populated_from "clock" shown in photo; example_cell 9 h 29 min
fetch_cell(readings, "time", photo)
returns 12 h 50 min
